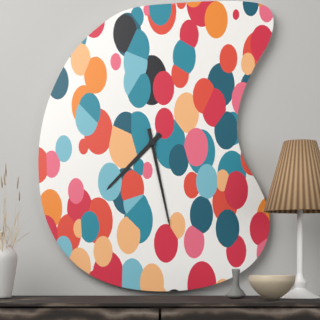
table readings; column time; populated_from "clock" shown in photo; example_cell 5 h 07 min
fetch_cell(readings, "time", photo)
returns 7 h 28 min
